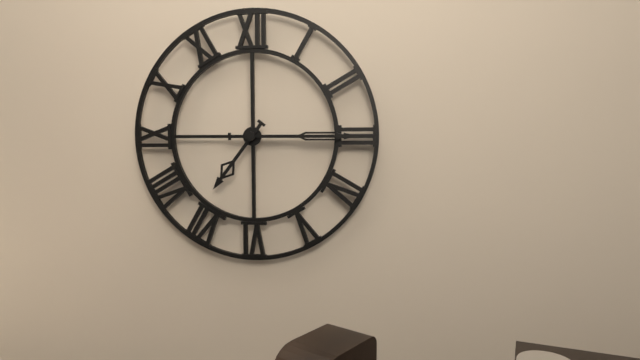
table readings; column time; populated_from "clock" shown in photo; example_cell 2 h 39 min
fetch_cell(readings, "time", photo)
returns 7 h 15 min
